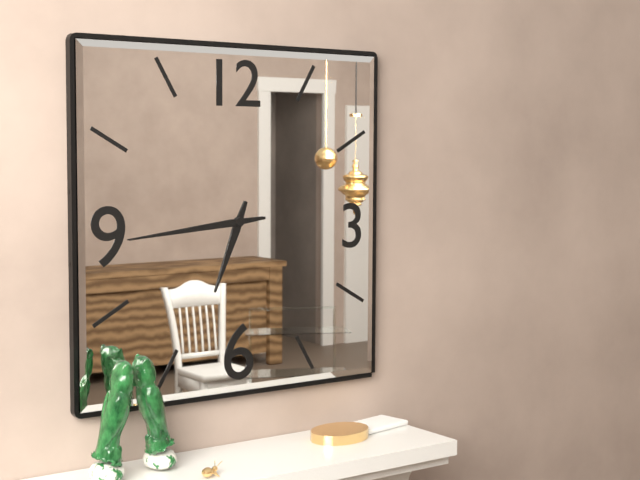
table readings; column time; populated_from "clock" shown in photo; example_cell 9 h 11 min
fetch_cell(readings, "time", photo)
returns 6 h 44 min
